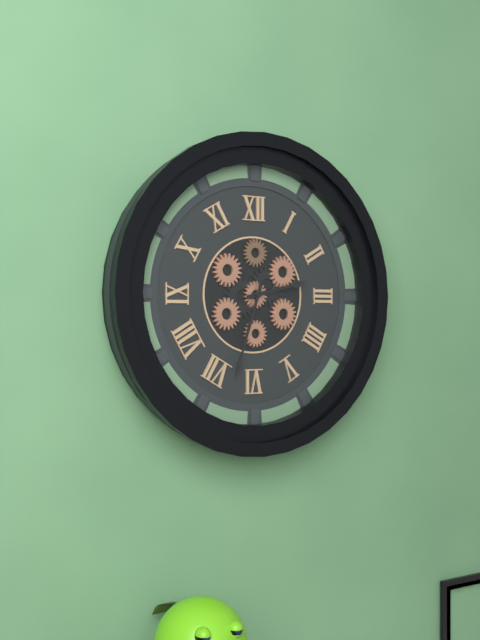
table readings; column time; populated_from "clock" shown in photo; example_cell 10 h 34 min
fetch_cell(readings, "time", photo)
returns 2 h 33 min
